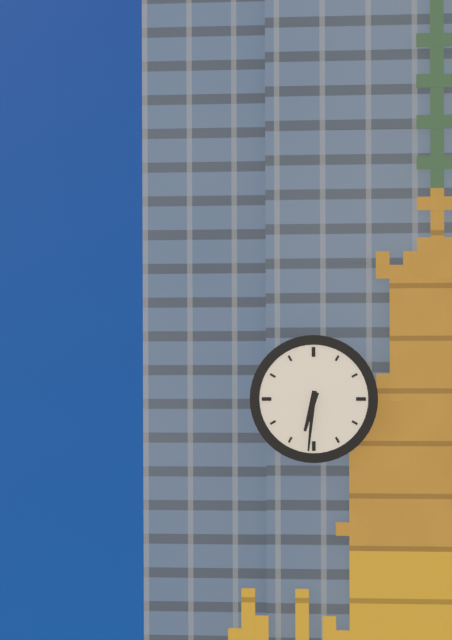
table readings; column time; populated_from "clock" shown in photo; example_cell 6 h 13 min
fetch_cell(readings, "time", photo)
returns 6 h 31 min
